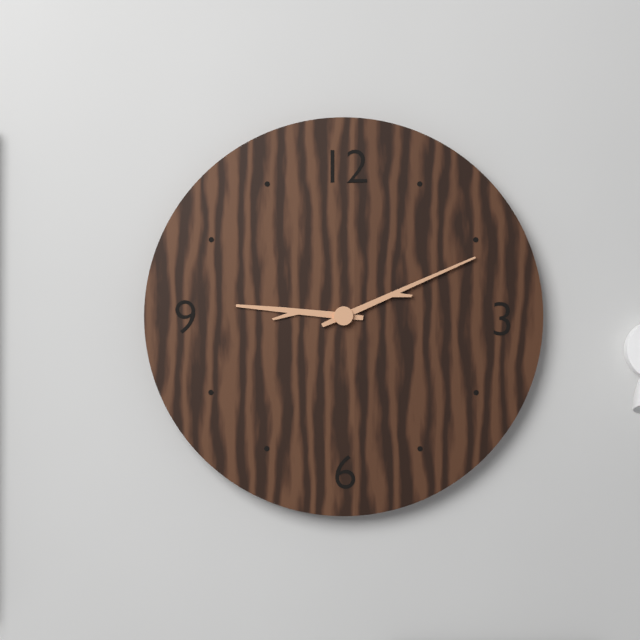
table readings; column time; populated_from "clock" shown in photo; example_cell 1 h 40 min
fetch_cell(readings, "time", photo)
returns 9 h 11 min
